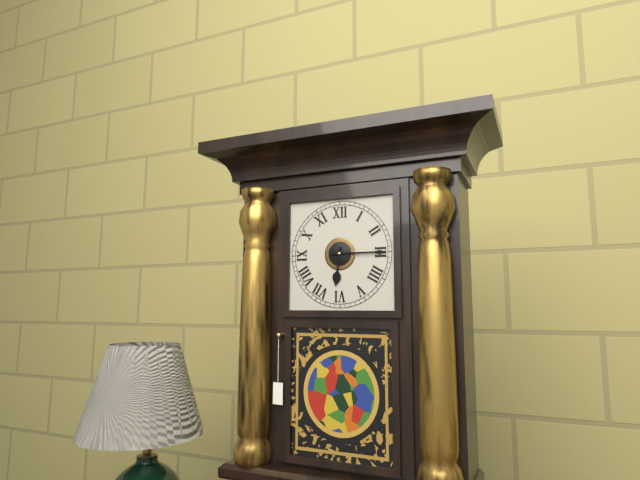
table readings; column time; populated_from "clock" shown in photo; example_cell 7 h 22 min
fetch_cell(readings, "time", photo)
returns 6 h 15 min
